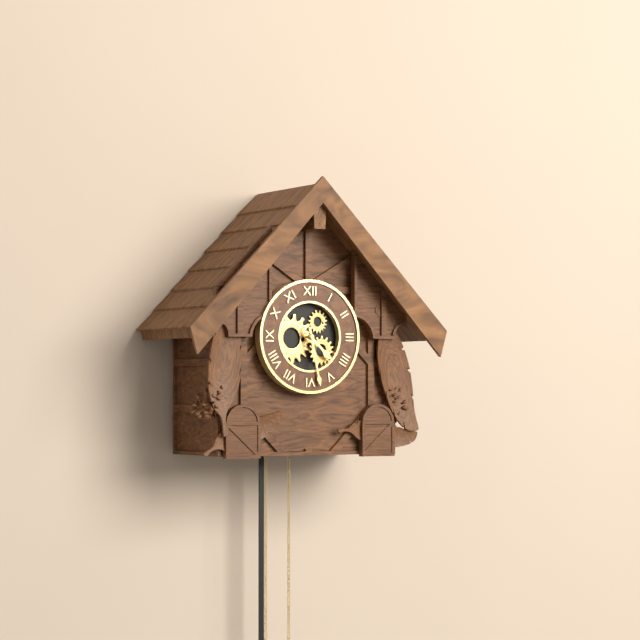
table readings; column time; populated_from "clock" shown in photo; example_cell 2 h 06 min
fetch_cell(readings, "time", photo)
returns 4 h 28 min
